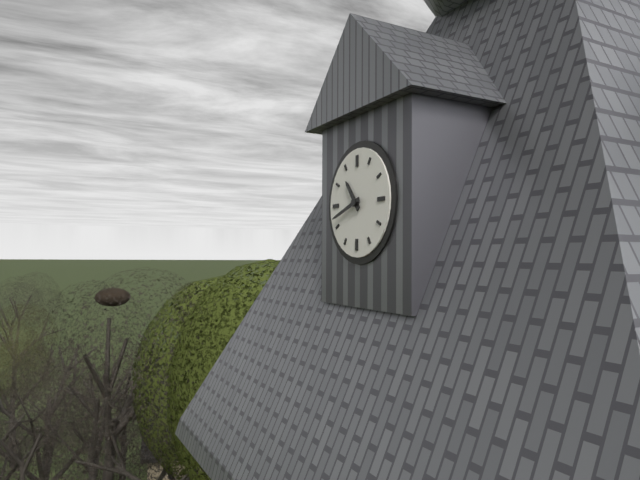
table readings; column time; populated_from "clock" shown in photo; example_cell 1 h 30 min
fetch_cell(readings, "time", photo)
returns 10 h 42 min
